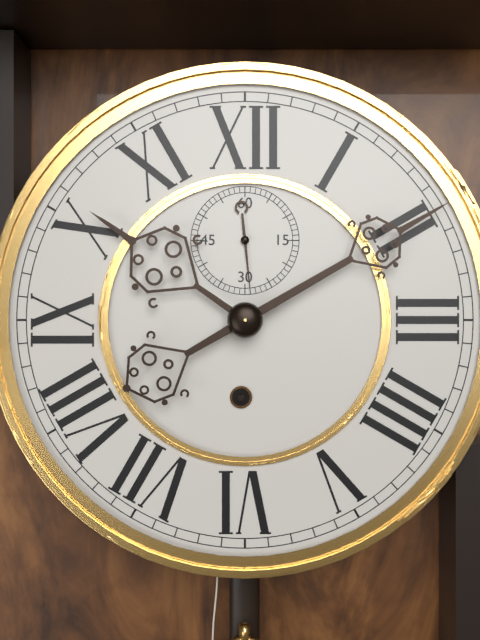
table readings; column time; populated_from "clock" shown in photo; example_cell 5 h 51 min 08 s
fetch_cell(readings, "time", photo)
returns 10 h 10 min 29 s
